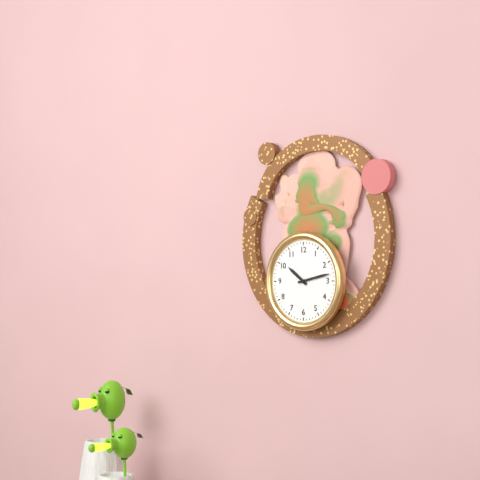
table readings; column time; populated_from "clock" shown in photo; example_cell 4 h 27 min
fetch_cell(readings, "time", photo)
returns 10 h 13 min
